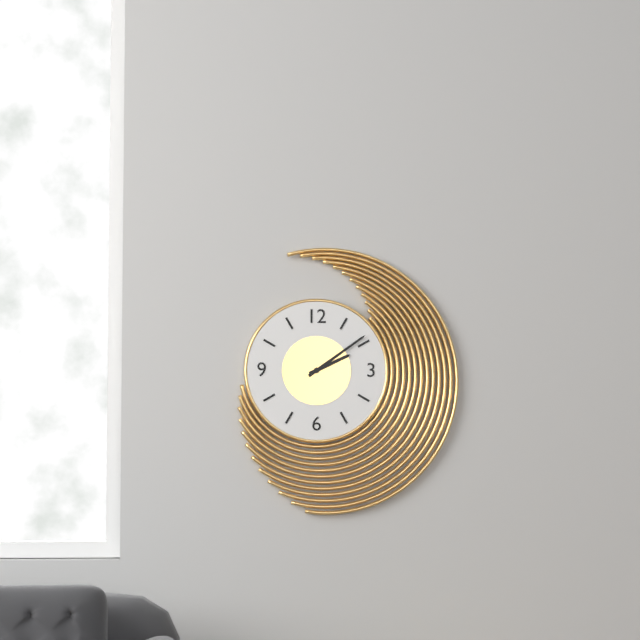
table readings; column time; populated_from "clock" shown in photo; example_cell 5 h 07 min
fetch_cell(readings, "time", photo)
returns 2 h 09 min
